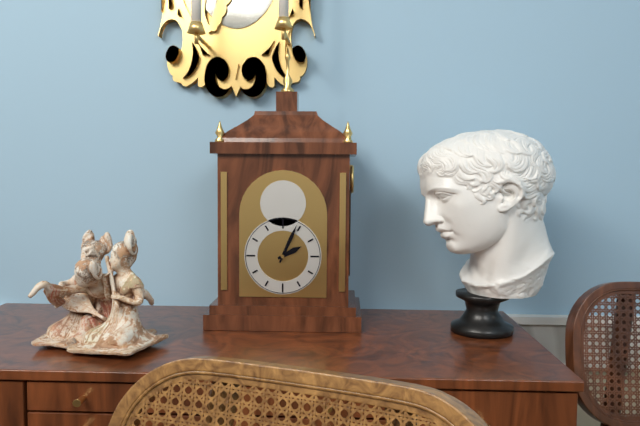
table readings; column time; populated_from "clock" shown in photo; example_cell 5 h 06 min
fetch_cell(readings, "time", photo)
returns 2 h 04 min
